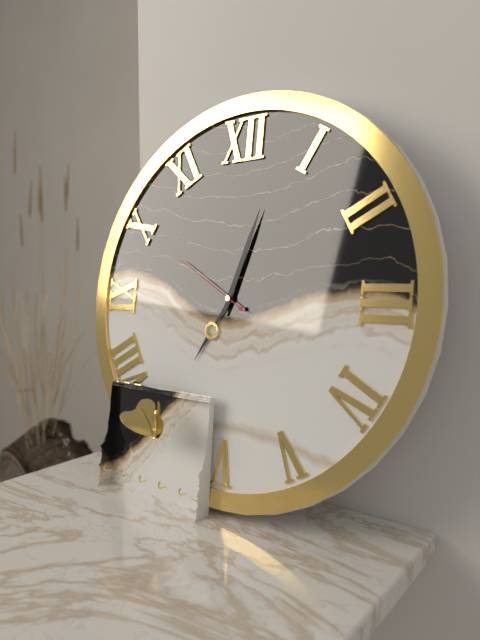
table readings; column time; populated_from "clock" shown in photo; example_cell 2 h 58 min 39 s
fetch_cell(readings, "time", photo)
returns 7 h 03 min 50 s
